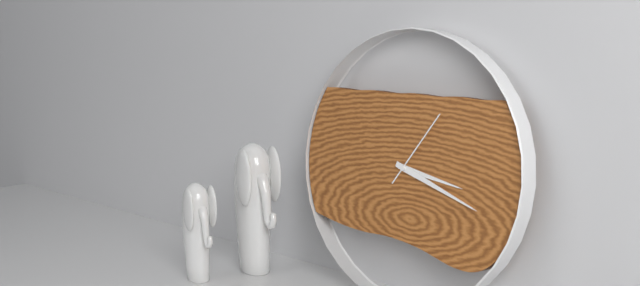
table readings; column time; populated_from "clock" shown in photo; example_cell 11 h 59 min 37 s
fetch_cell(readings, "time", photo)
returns 3 h 18 min 06 s
